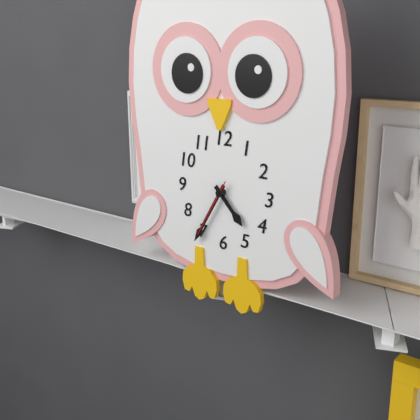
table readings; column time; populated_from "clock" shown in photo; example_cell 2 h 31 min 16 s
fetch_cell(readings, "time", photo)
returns 4 h 35 min 35 s
